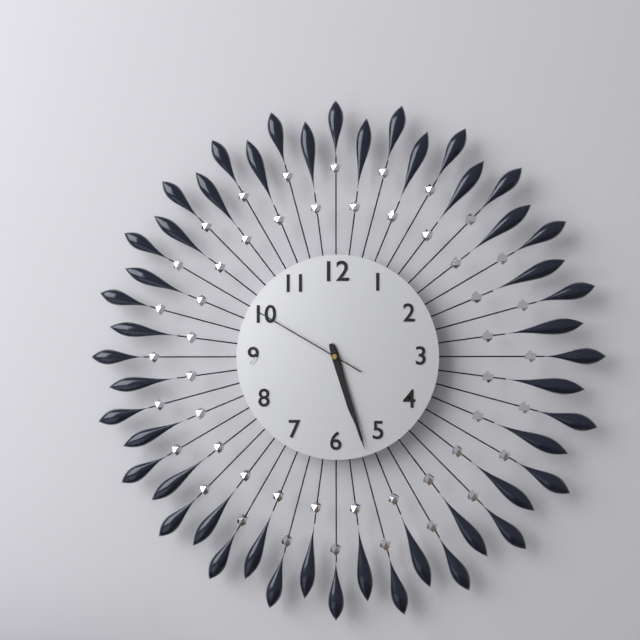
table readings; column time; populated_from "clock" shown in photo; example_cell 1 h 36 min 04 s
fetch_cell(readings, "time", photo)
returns 5 h 27 min 50 s
